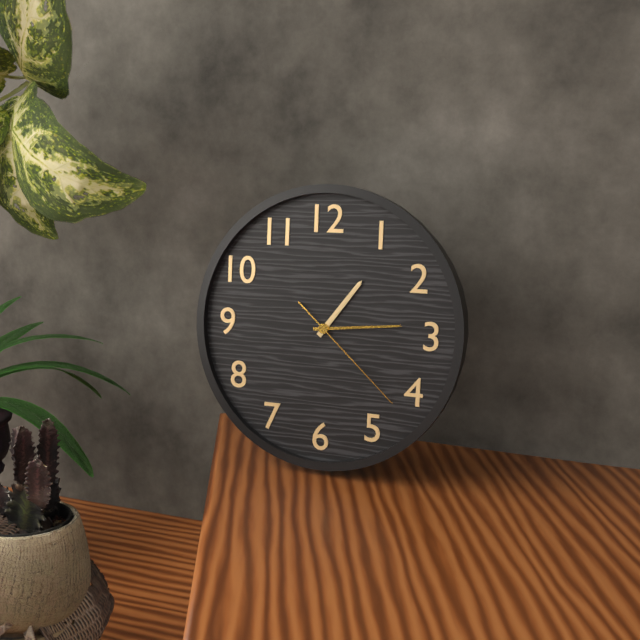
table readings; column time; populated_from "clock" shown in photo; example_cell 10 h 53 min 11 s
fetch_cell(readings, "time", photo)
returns 1 h 14 min 22 s
